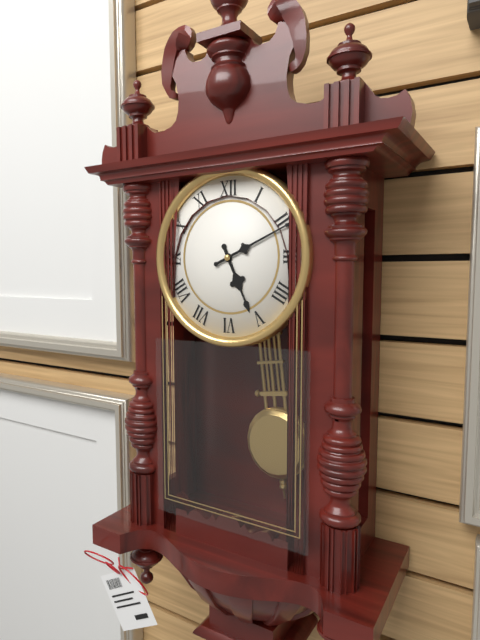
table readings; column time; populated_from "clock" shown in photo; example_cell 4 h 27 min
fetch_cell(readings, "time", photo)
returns 5 h 11 min
